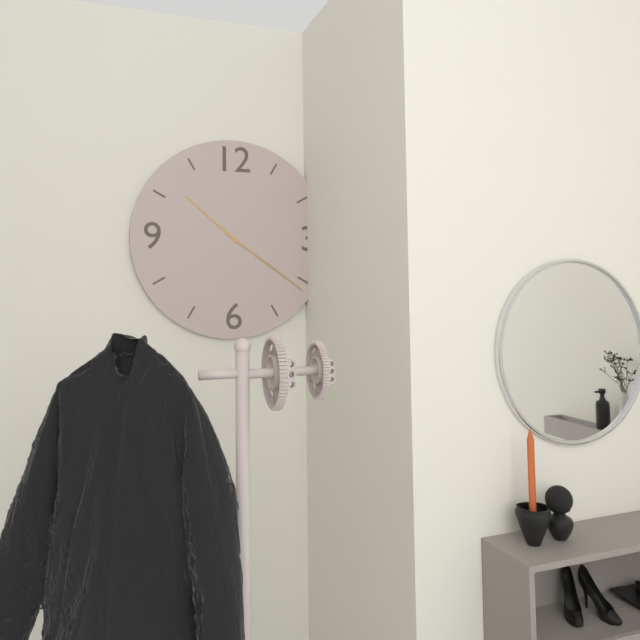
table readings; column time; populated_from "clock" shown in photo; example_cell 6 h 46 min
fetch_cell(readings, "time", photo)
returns 10 h 21 min
